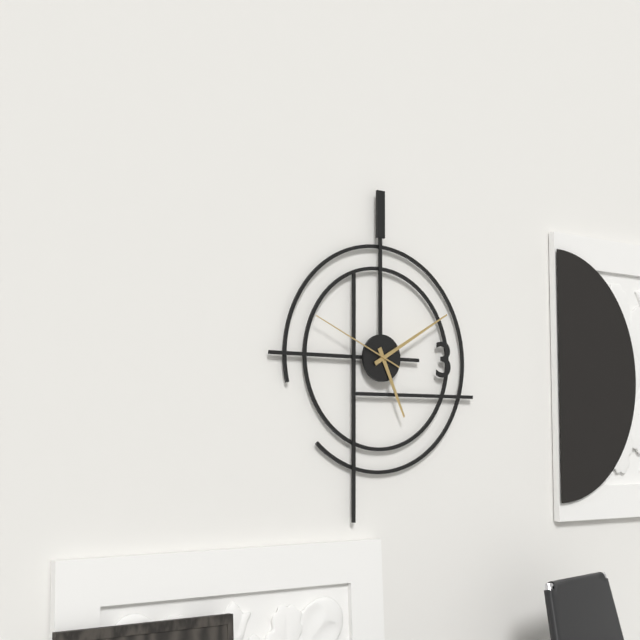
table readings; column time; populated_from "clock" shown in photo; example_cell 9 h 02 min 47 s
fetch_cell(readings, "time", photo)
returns 5 h 10 min 49 s
